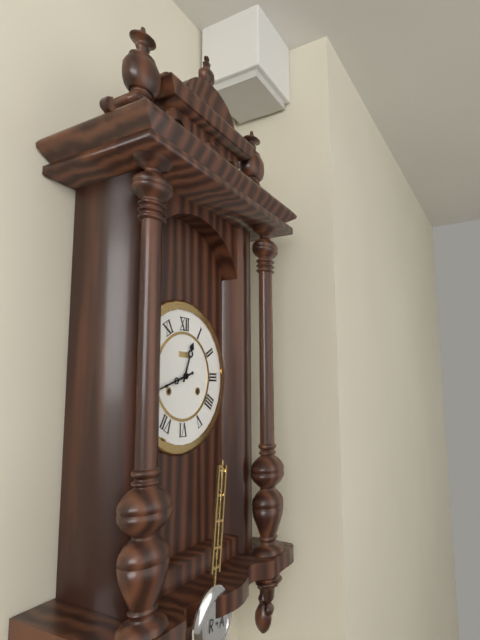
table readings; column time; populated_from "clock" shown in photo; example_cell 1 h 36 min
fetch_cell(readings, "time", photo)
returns 12 h 42 min
